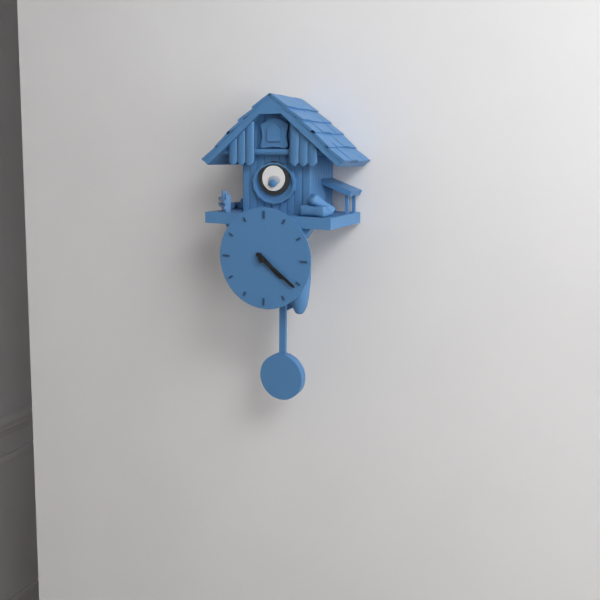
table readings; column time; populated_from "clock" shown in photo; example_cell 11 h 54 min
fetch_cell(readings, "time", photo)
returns 4 h 21 min
